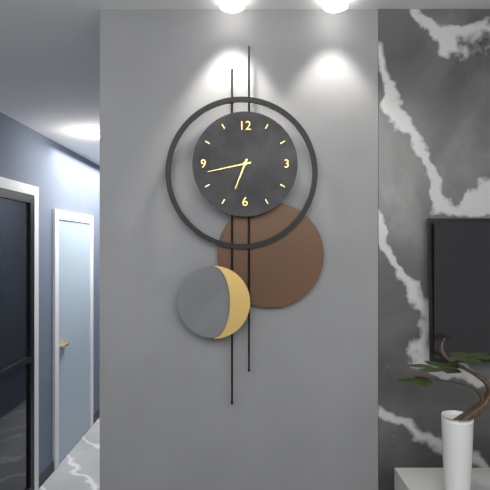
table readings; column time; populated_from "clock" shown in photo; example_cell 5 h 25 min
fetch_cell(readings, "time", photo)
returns 6 h 43 min
